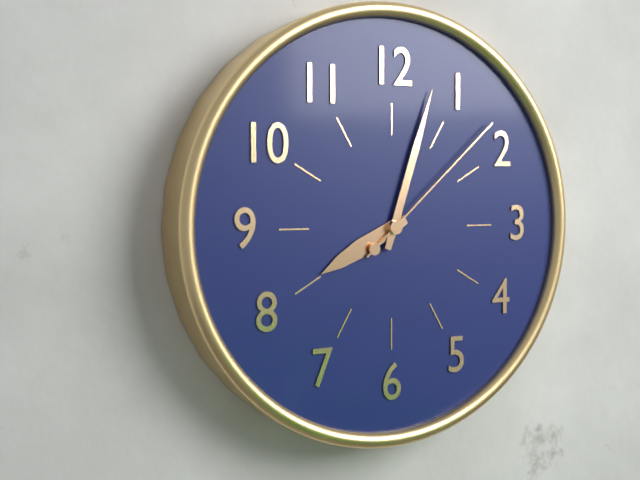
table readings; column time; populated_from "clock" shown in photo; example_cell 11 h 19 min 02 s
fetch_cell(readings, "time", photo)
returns 8 h 03 min 08 s
